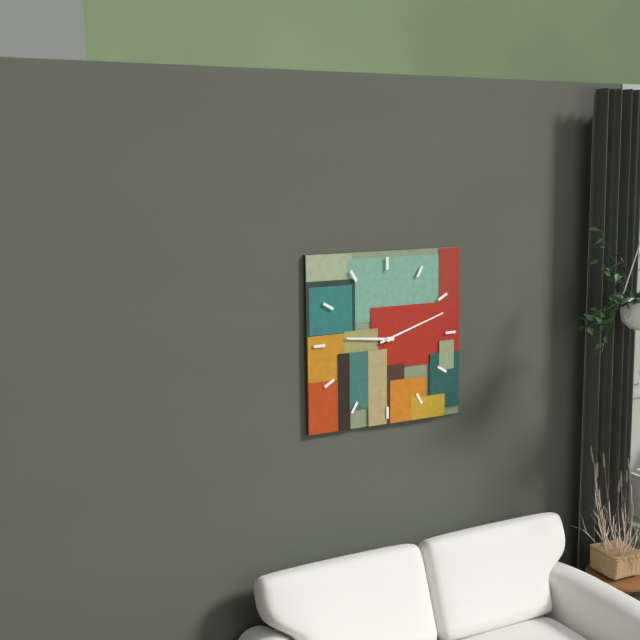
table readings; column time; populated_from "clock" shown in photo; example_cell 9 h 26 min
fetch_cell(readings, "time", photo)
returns 9 h 12 min
